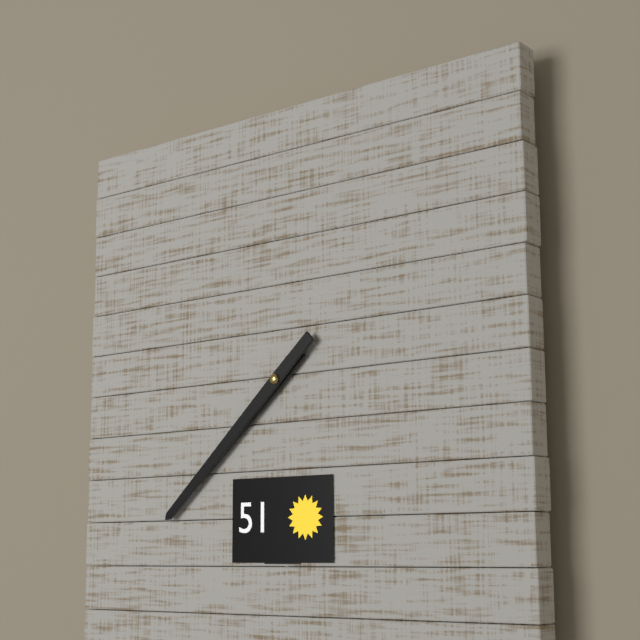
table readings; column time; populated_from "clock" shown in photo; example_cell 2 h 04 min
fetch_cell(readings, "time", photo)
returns 7 h 38 min
